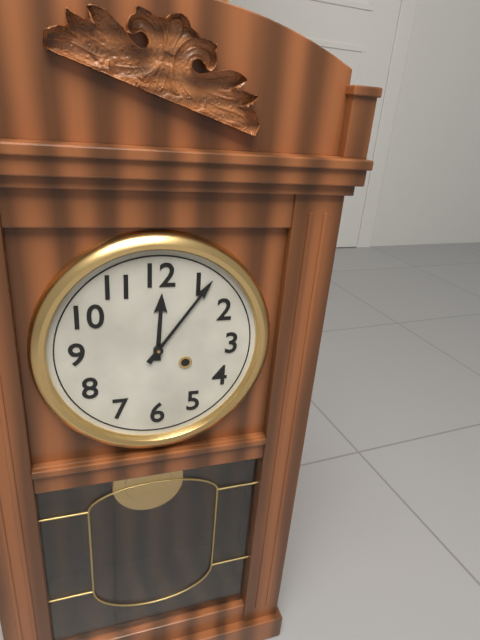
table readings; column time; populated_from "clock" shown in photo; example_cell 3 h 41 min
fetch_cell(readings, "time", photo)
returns 12 h 06 min
